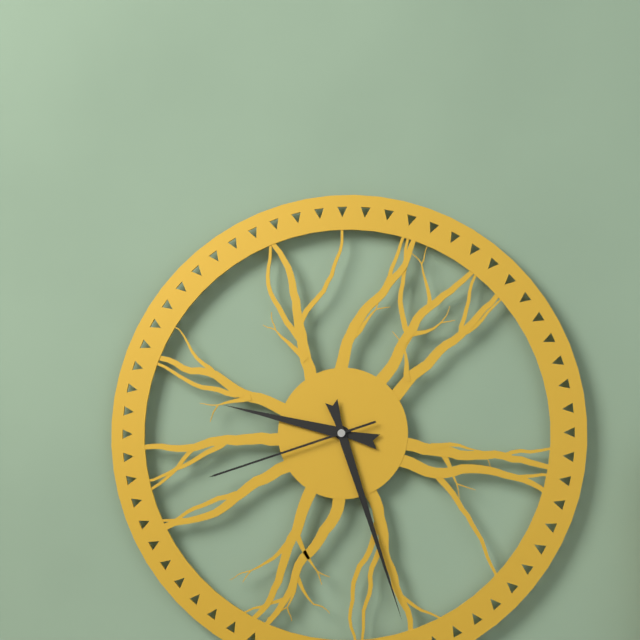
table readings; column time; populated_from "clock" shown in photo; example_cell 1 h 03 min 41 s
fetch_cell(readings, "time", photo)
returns 9 h 27 min 42 s
